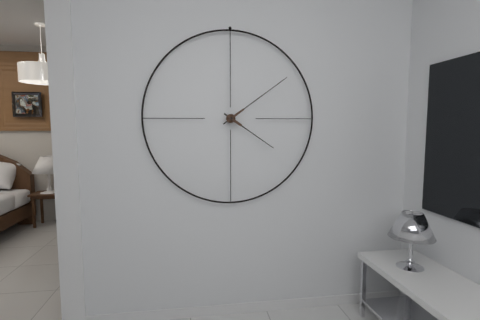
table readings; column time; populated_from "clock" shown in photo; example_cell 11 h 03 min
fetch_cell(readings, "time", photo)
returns 4 h 09 min
